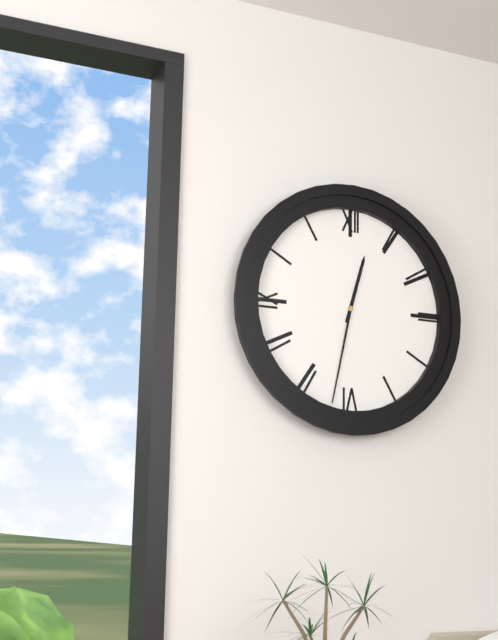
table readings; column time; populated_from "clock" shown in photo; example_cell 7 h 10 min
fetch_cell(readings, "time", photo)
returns 12 h 32 min
